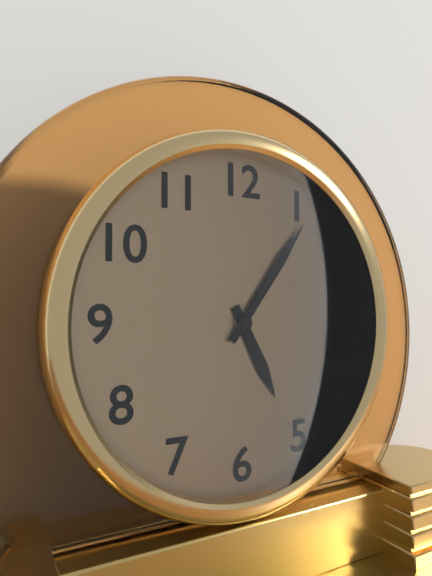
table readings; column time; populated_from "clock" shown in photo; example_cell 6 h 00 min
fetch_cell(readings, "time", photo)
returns 5 h 06 min
